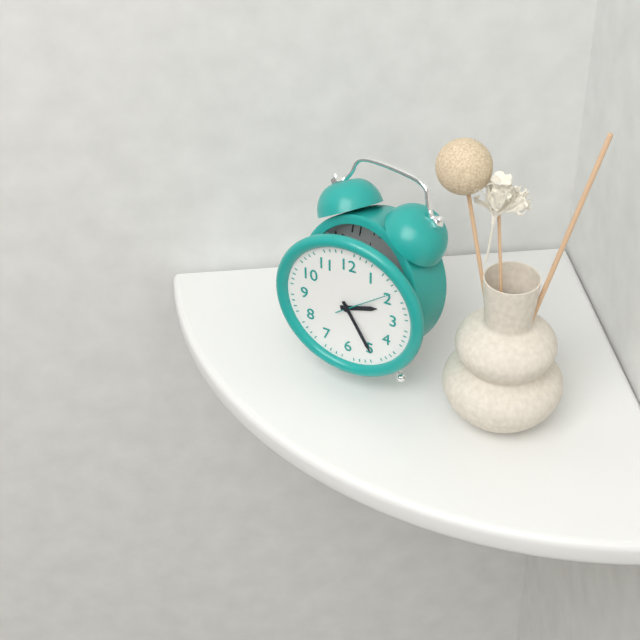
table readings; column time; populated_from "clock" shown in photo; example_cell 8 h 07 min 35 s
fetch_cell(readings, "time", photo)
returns 2 h 25 min 09 s
